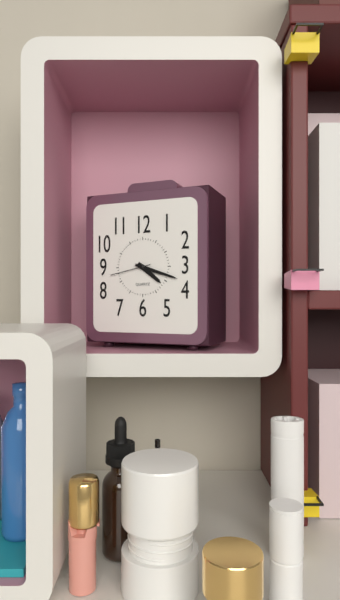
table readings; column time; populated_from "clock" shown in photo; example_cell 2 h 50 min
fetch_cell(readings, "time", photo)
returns 4 h 18 min
